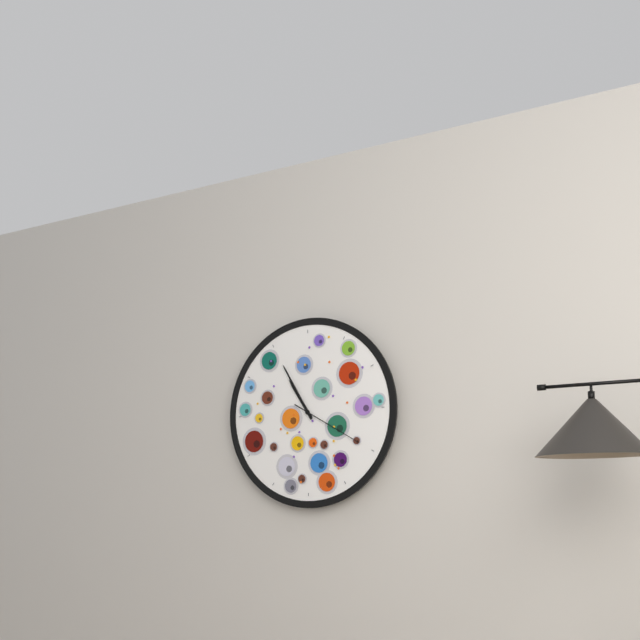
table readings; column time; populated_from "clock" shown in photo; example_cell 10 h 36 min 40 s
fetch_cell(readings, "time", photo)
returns 10 h 55 min 20 s
